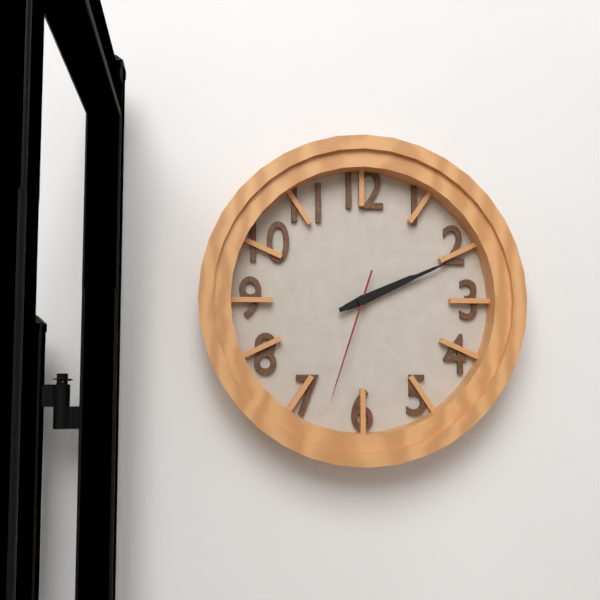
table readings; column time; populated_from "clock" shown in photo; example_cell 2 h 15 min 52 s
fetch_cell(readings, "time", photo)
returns 2 h 11 min 33 s
